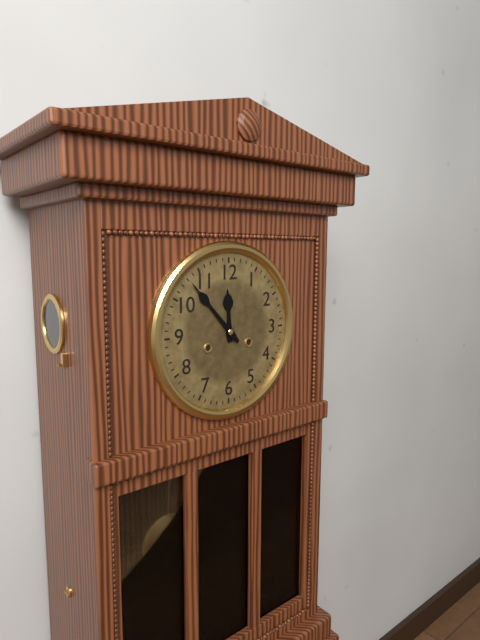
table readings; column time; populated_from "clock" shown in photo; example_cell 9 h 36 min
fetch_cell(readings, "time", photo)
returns 11 h 53 min
